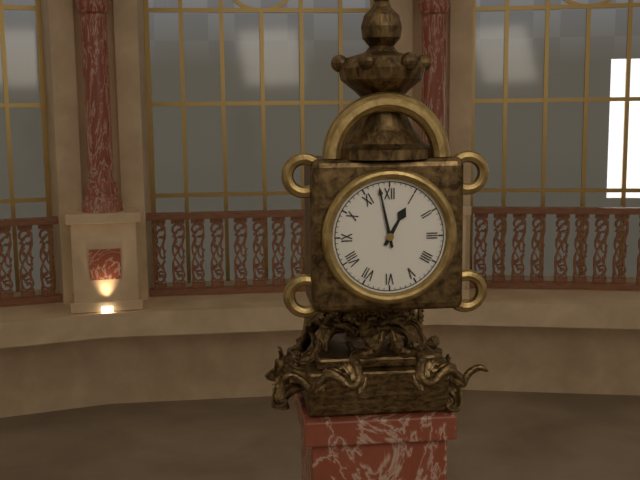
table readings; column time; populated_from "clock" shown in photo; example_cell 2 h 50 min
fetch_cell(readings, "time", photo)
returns 12 h 58 min
